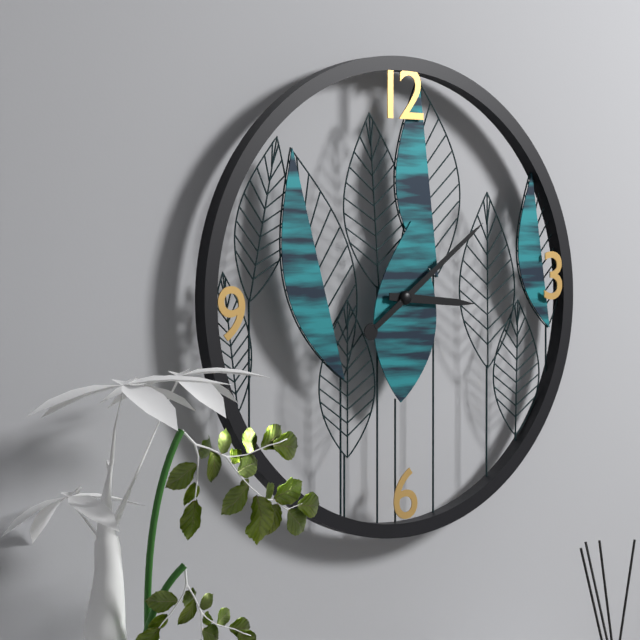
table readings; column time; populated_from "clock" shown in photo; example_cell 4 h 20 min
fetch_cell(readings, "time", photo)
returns 3 h 09 min
